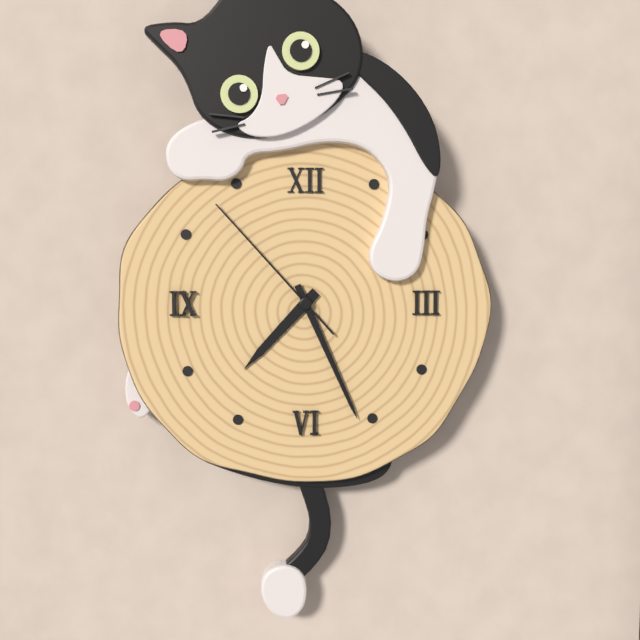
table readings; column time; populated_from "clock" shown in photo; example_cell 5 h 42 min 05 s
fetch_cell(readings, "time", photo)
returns 7 h 26 min 53 s
